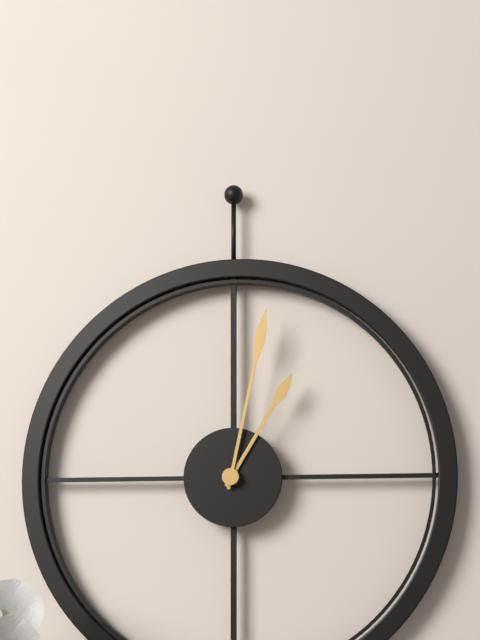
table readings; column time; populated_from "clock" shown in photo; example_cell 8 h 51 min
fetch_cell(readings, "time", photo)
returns 1 h 02 min
